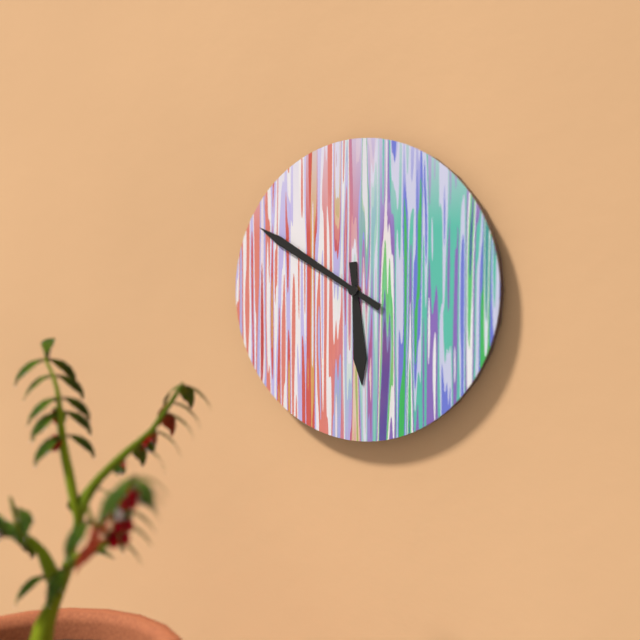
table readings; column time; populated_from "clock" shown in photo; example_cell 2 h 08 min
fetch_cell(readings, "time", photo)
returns 5 h 50 min
